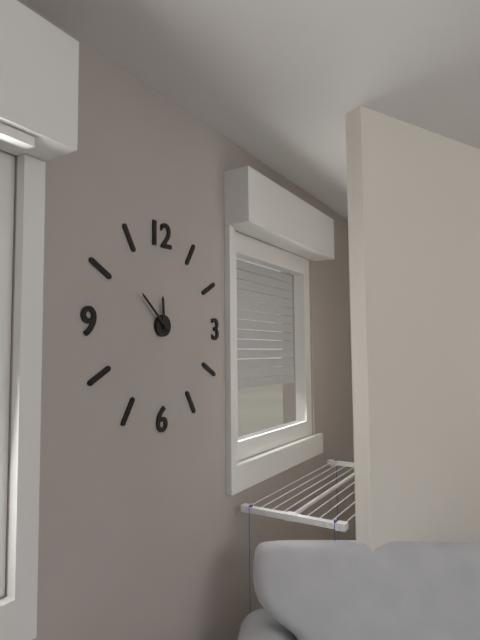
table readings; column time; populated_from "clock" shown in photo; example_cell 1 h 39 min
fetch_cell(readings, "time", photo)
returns 11 h 52 min
